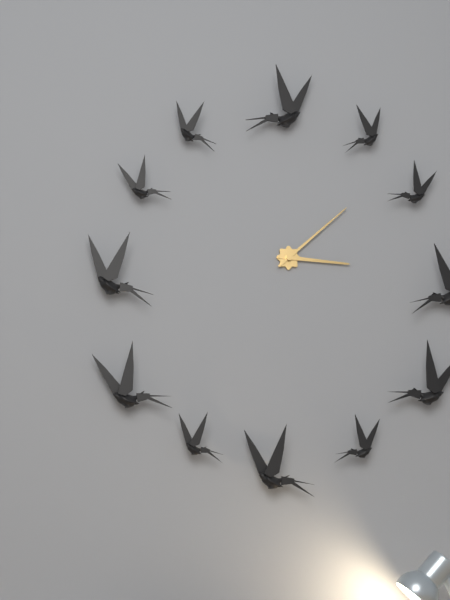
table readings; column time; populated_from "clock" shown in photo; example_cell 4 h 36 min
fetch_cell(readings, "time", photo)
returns 3 h 08 min
